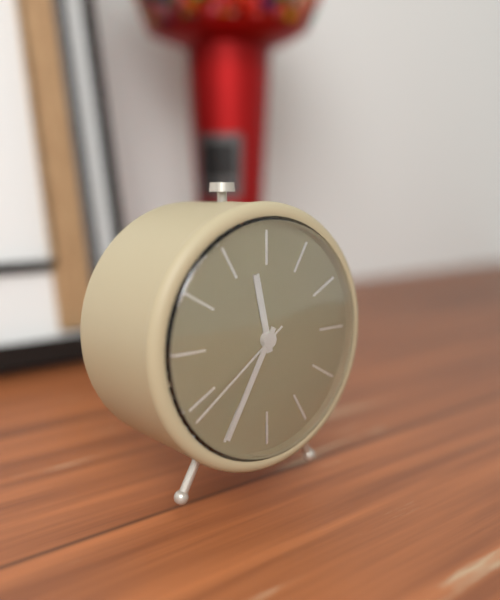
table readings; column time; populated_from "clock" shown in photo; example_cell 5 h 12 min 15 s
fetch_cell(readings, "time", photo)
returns 11 h 35 min 39 s
